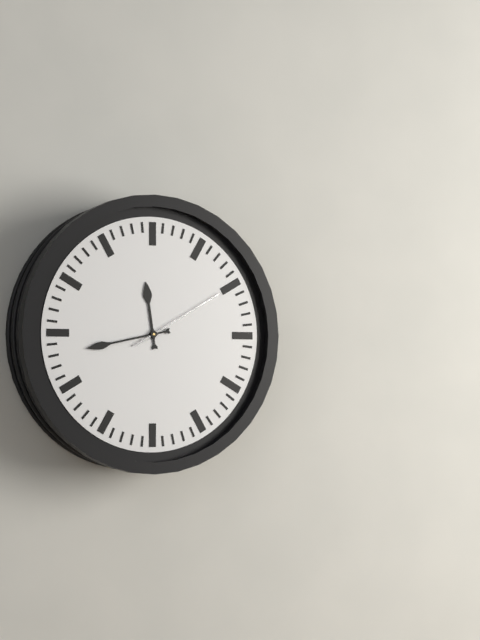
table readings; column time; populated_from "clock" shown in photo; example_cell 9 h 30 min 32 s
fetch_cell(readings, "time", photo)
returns 11 h 43 min 10 s
